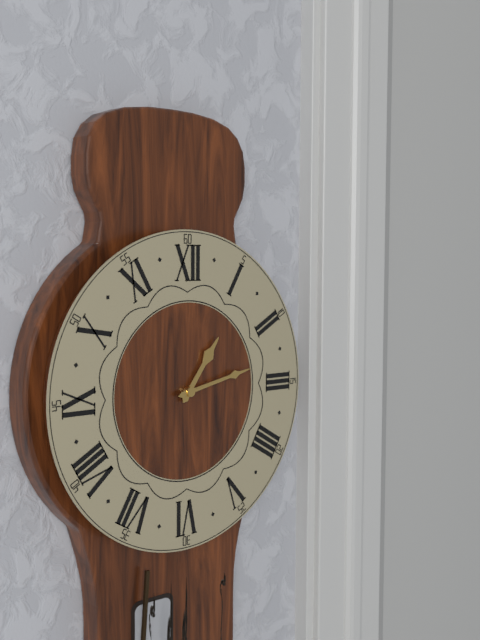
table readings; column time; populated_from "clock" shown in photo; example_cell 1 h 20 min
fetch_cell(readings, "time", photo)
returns 1 h 13 min
